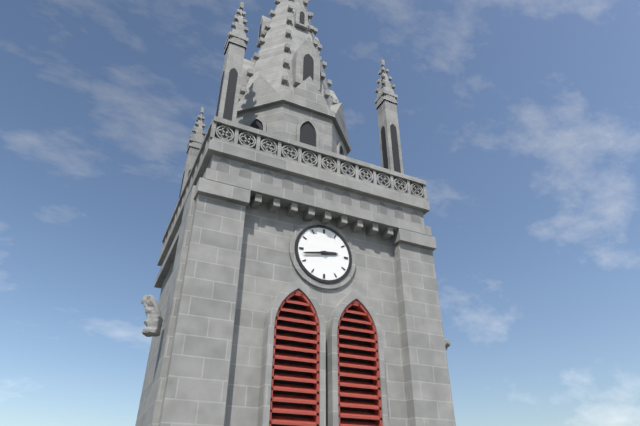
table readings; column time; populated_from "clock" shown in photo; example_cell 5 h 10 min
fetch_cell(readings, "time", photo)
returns 2 h 43 min
